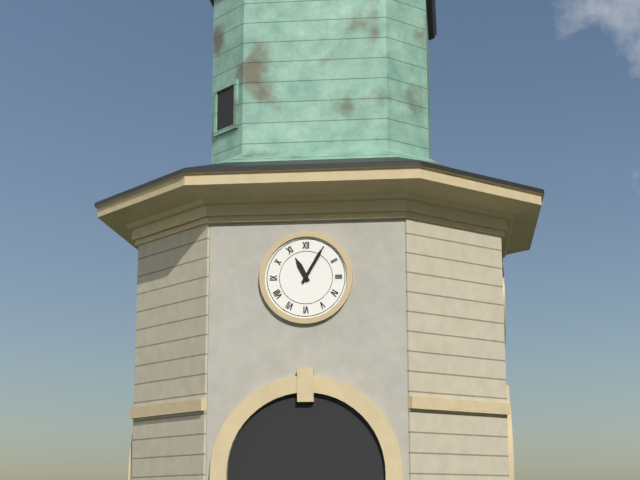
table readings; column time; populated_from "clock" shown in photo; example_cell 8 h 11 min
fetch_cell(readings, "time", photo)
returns 11 h 05 min
